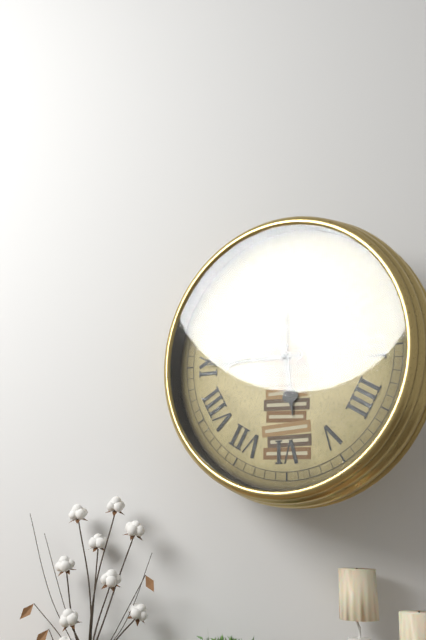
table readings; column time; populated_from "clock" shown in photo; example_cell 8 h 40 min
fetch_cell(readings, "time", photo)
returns 5 h 45 min
